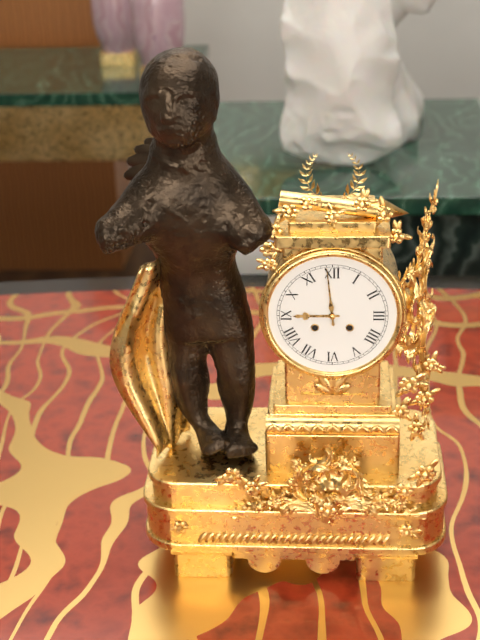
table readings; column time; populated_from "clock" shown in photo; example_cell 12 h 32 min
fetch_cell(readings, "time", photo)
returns 8 h 59 min
